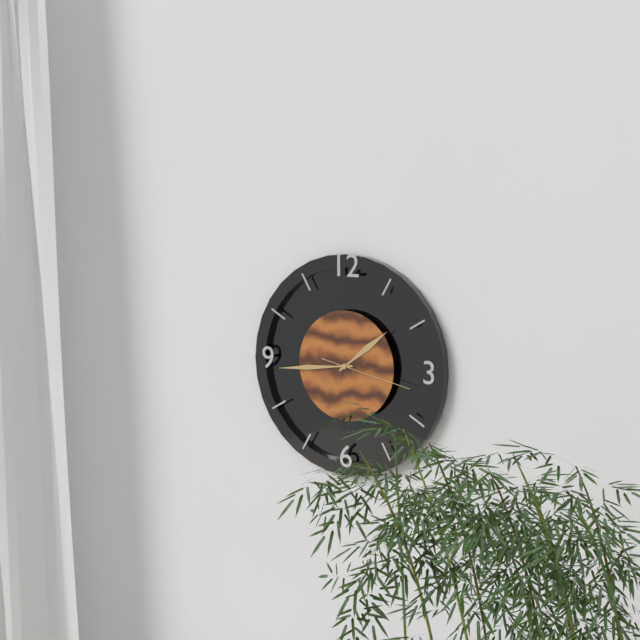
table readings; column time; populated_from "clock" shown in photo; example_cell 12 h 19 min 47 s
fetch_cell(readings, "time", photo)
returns 1 h 44 min 17 s
